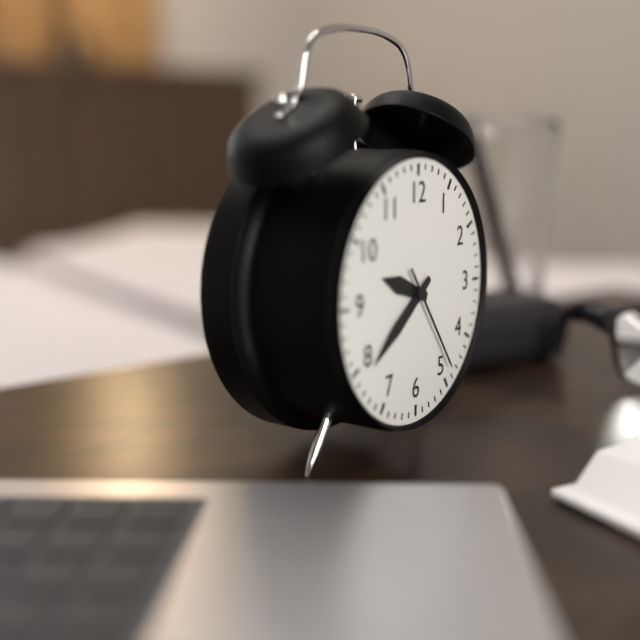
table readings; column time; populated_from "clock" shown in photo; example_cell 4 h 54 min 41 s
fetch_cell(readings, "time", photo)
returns 9 h 39 min 24 s
